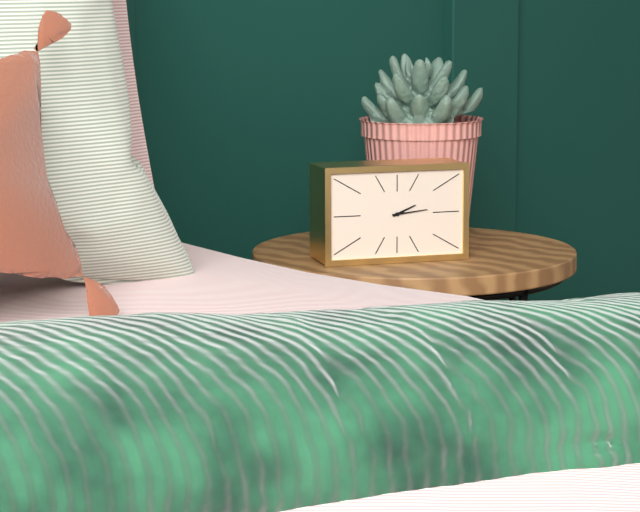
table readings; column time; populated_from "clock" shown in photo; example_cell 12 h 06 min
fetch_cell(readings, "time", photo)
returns 2 h 14 min
